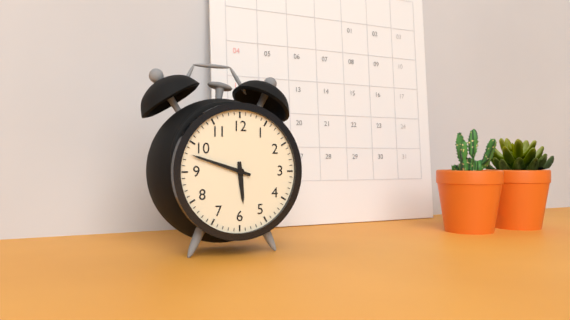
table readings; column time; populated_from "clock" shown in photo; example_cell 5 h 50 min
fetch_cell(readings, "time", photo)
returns 5 h 48 min
